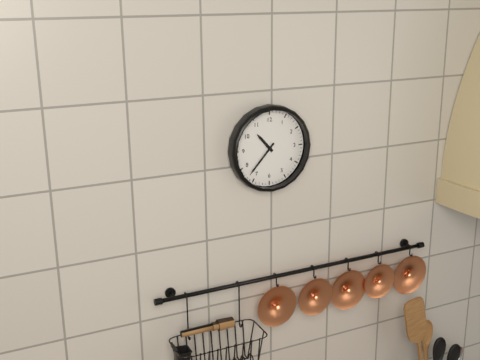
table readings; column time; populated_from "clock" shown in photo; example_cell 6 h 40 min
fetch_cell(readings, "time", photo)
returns 10 h 37 min
